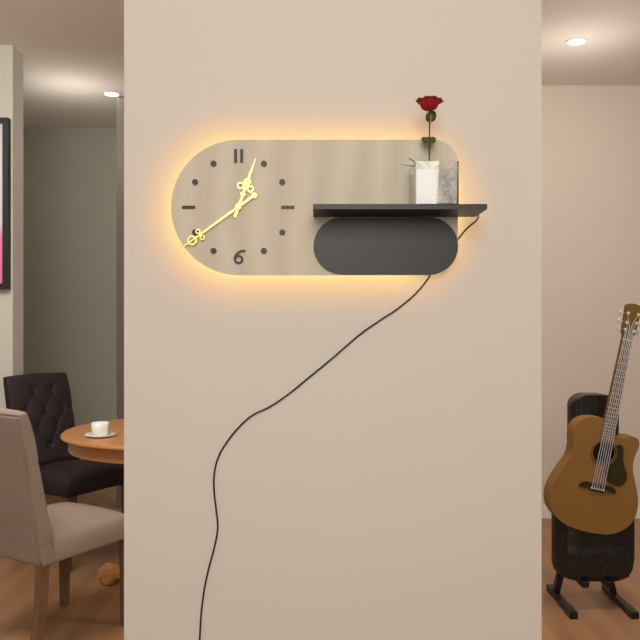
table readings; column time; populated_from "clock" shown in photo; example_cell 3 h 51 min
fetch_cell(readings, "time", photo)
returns 12 h 39 min
